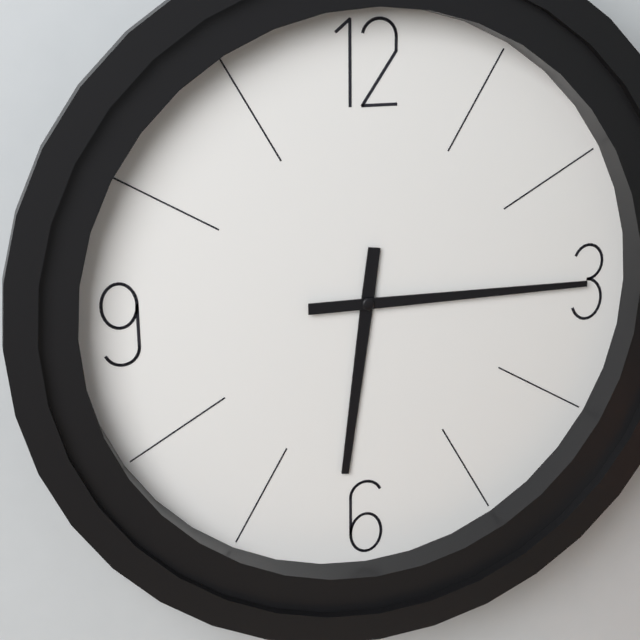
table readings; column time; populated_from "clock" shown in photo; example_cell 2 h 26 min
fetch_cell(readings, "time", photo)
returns 6 h 15 min
